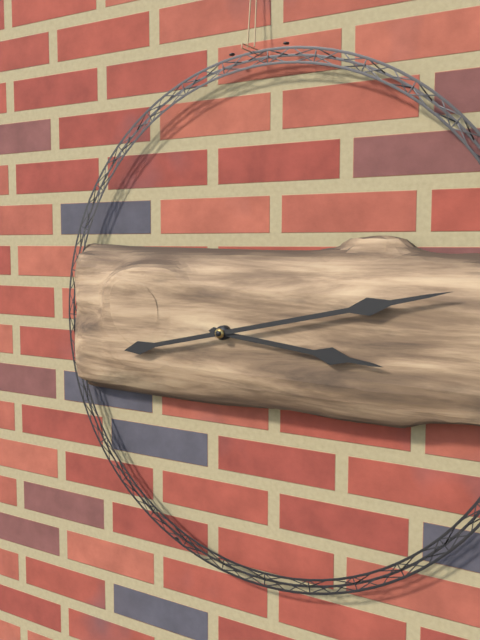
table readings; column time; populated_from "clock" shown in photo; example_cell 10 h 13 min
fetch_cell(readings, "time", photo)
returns 3 h 13 min
